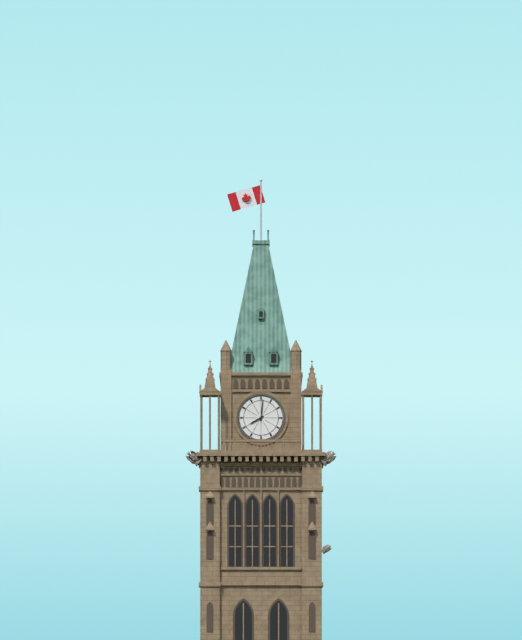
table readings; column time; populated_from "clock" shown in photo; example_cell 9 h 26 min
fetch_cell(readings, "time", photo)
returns 8 h 01 min
